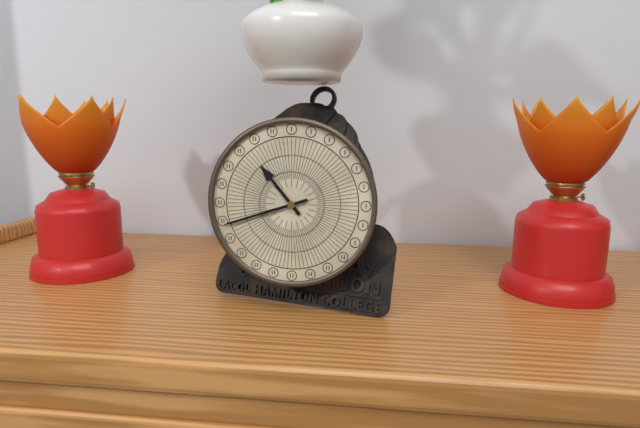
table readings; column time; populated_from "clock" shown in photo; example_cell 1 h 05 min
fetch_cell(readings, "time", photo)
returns 10 h 42 min
